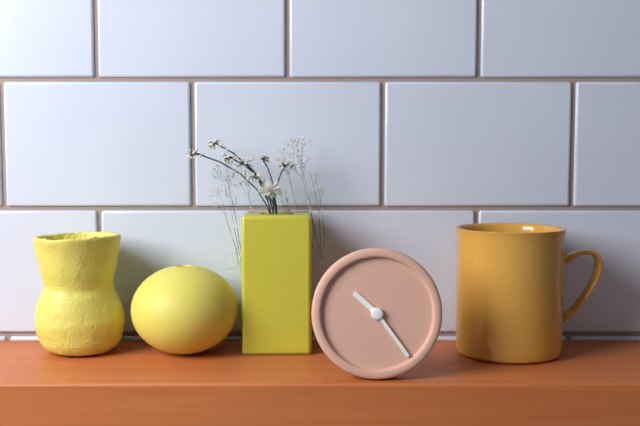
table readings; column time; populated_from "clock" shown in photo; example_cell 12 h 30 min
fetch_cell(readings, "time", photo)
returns 10 h 24 min
